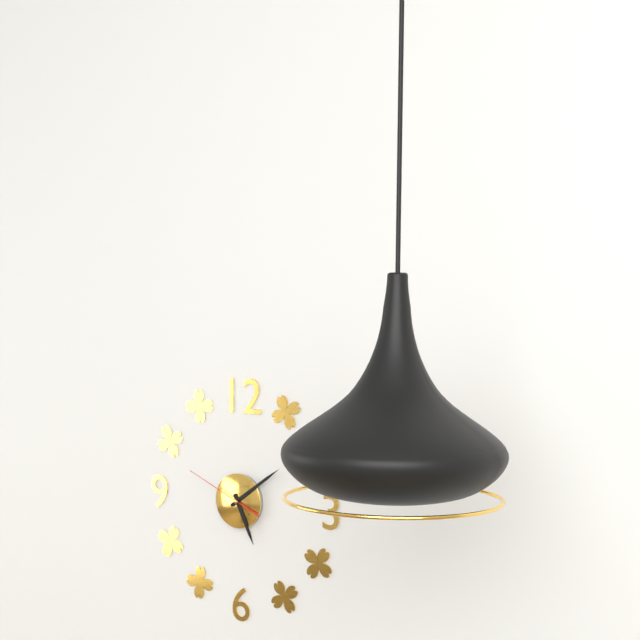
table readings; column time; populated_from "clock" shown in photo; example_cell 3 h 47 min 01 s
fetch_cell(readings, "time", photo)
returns 5 h 09 min 49 s
